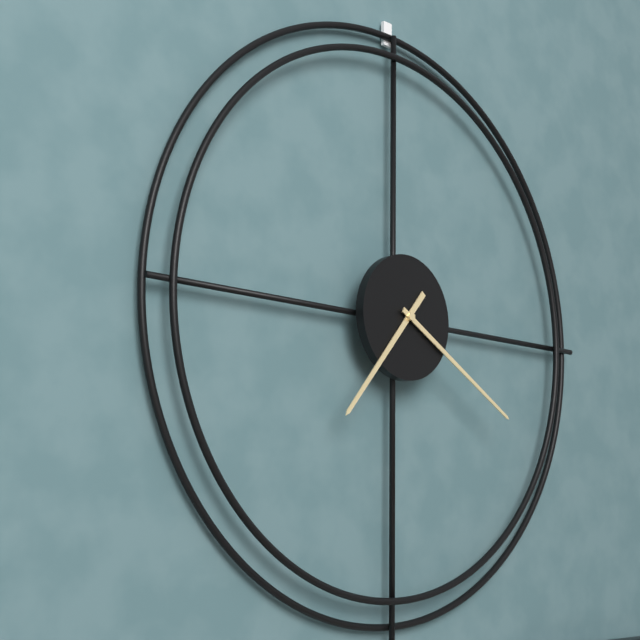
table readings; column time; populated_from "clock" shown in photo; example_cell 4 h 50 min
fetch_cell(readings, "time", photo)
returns 7 h 20 min
